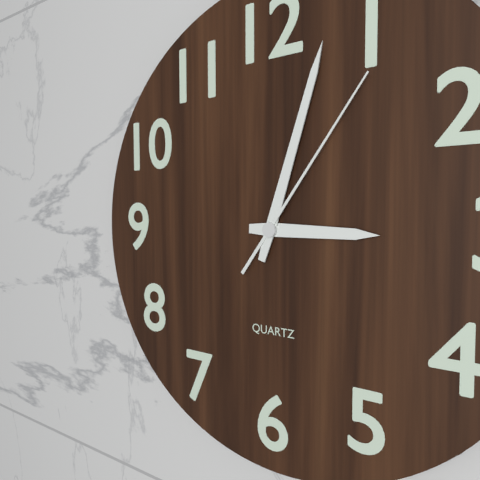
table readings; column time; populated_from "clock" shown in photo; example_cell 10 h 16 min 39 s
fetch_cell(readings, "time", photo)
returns 3 h 03 min 06 s
